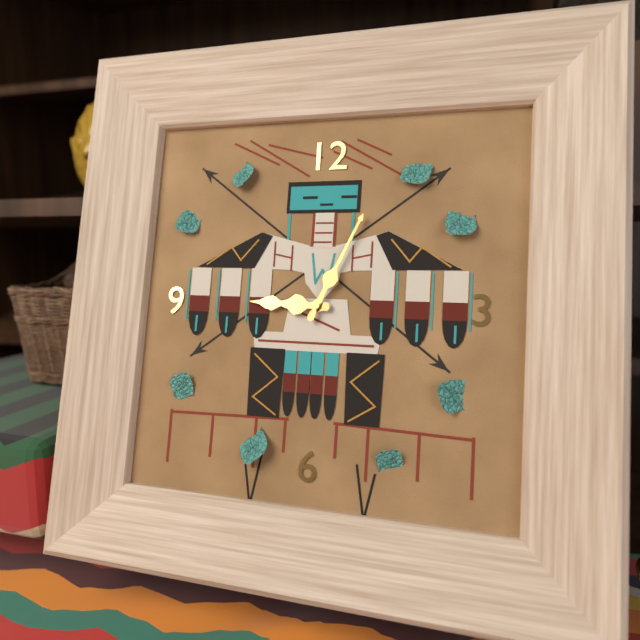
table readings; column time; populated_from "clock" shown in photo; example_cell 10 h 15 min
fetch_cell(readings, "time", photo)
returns 9 h 04 min
